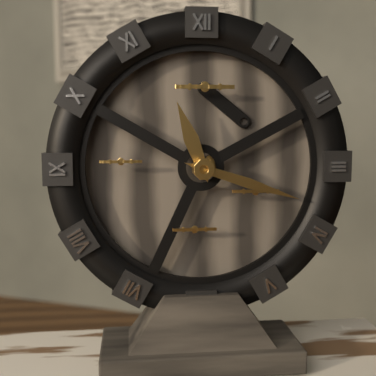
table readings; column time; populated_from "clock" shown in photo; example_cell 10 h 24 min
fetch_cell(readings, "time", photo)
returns 11 h 18 min
